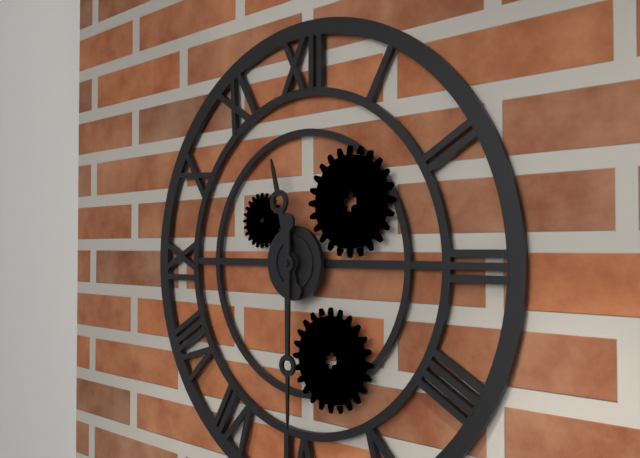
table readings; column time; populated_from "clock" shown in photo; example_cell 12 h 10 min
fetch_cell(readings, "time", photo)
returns 11 h 30 min
